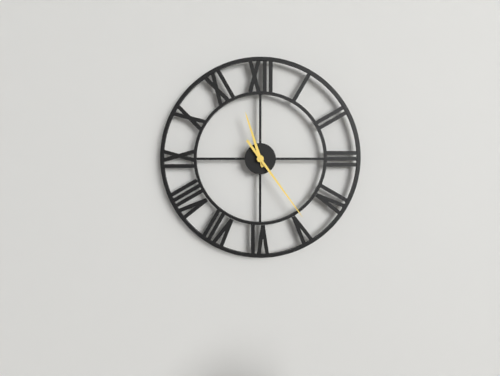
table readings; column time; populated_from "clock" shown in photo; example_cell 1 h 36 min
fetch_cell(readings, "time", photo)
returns 11 h 24 min
